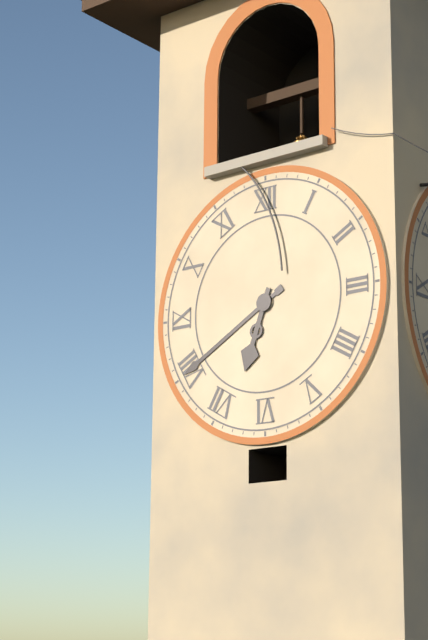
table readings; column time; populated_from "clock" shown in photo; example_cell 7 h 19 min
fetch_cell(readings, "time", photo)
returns 6 h 40 min
